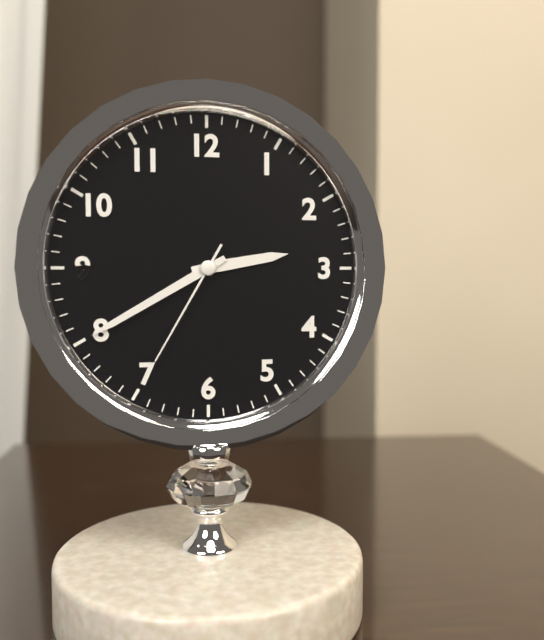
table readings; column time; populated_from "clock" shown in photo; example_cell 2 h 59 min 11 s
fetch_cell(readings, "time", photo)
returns 2 h 40 min 35 s
